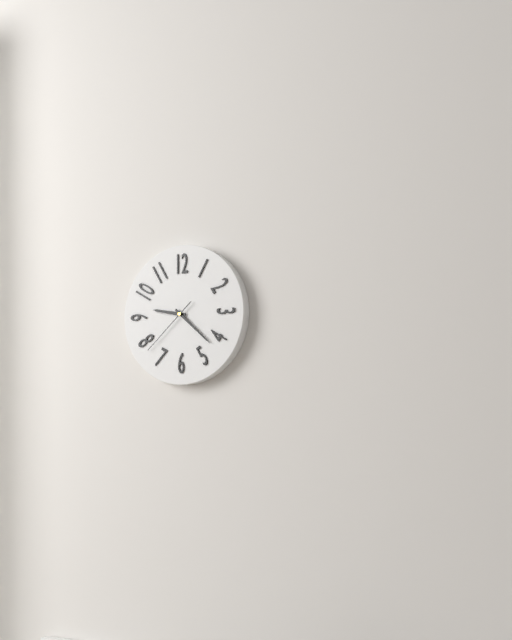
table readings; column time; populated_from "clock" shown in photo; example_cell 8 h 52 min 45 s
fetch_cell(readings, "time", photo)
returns 9 h 22 min 38 s
